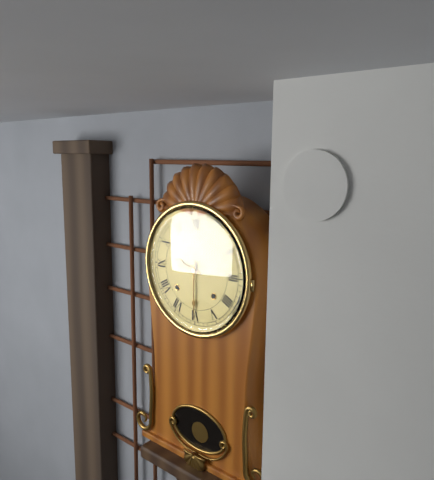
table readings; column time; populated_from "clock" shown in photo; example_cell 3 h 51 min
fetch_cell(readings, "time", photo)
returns 9 h 30 min
